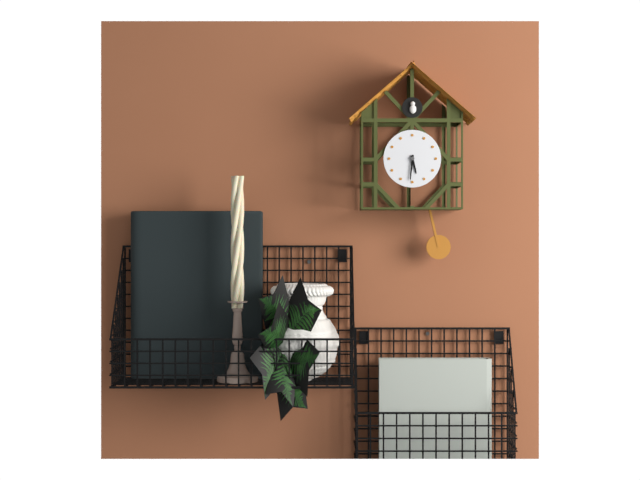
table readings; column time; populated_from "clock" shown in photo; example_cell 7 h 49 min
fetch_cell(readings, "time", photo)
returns 5 h 31 min
